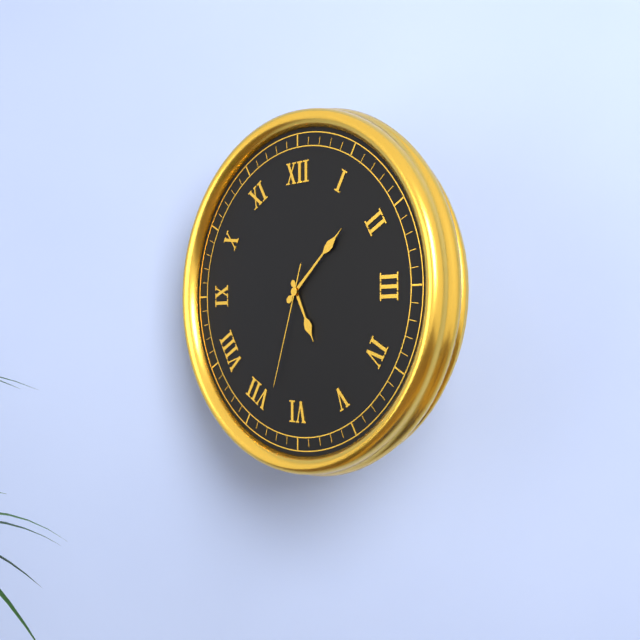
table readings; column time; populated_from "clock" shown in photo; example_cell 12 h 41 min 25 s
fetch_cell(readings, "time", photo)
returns 5 h 08 min 33 s
